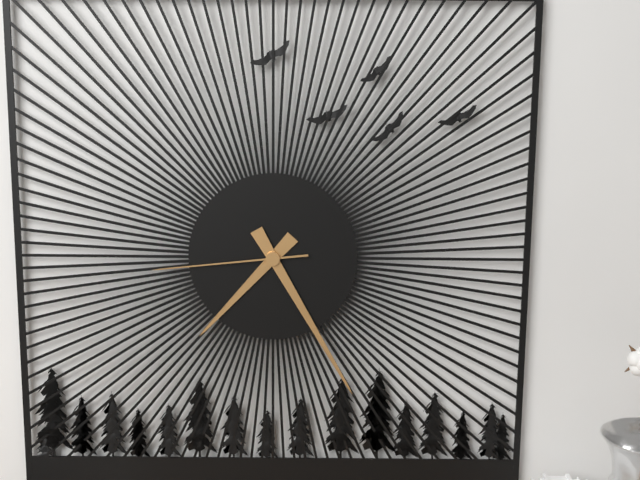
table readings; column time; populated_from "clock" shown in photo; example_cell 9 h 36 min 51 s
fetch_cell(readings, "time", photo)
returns 7 h 25 min 44 s
